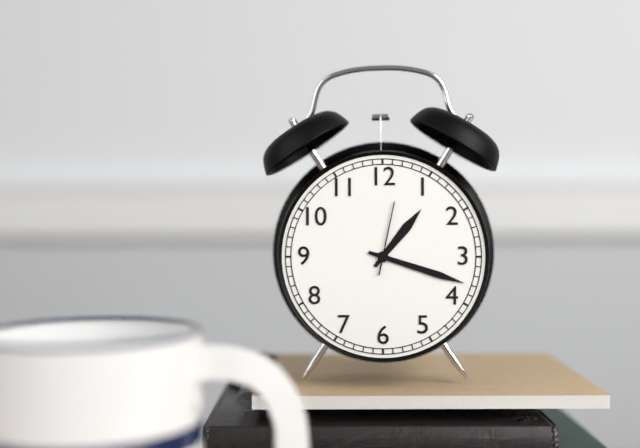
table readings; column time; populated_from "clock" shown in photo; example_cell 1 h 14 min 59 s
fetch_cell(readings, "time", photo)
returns 1 h 18 min 02 s
